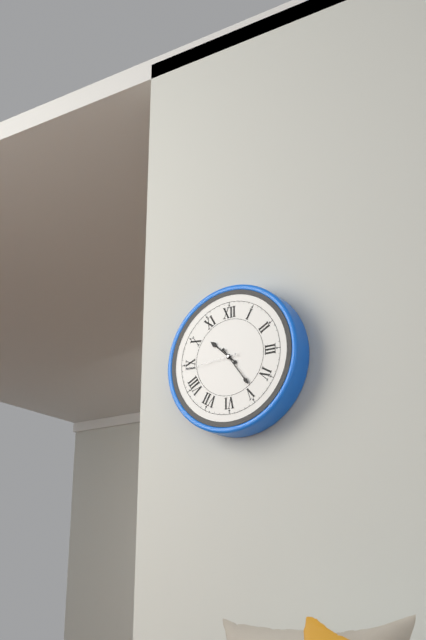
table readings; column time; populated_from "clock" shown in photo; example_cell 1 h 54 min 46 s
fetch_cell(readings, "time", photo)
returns 10 h 24 min 44 s
